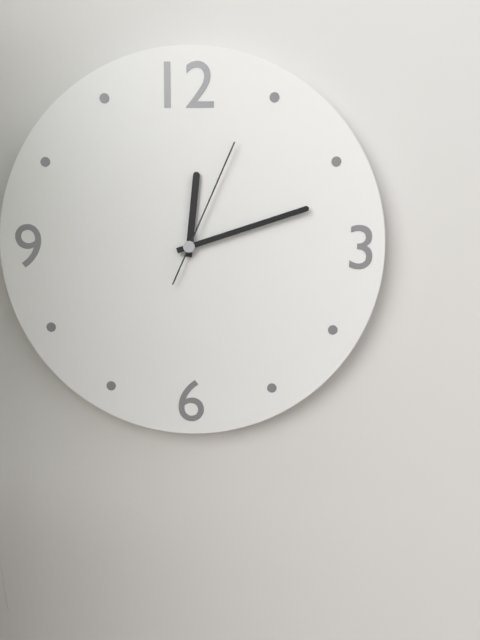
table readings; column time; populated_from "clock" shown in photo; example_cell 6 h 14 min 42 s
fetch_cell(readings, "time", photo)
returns 12 h 12 min 04 s
